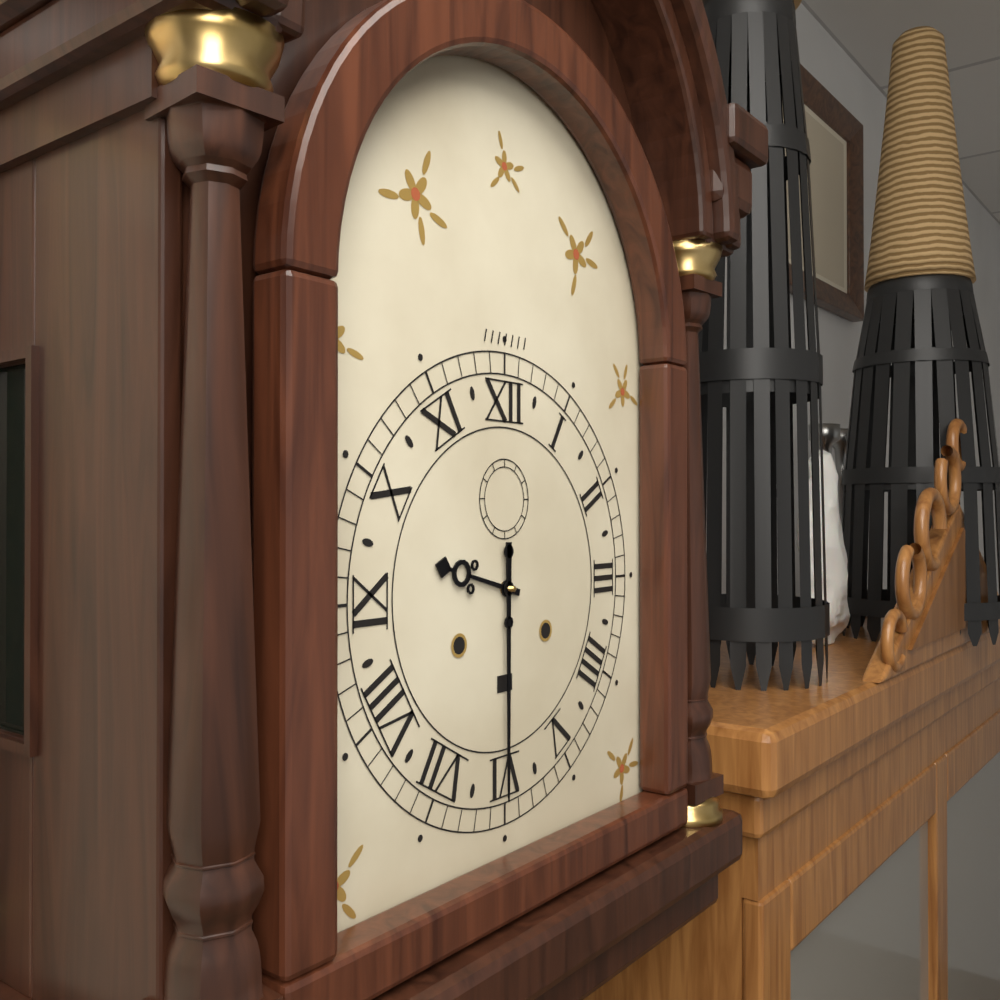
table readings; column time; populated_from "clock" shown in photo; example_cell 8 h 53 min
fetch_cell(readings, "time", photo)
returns 9 h 30 min
